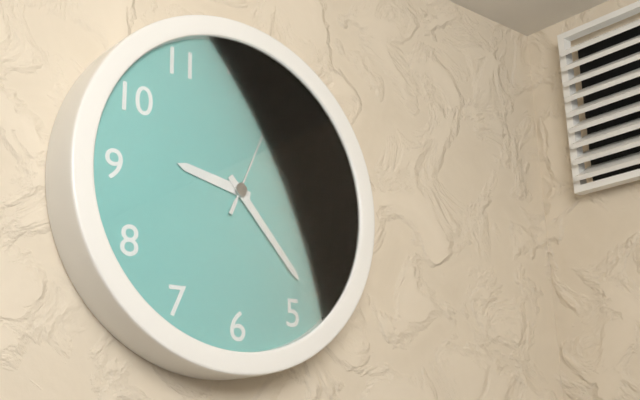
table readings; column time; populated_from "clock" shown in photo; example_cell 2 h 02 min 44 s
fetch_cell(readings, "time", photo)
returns 9 h 23 min 04 s
